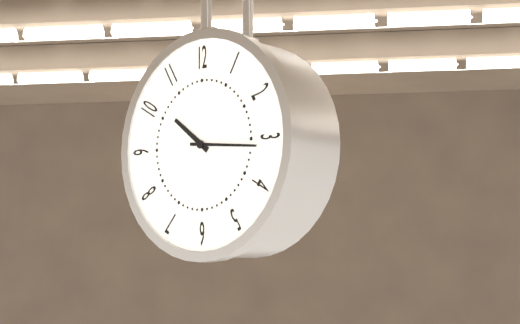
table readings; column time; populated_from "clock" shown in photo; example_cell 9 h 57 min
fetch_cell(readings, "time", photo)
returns 10 h 16 min
